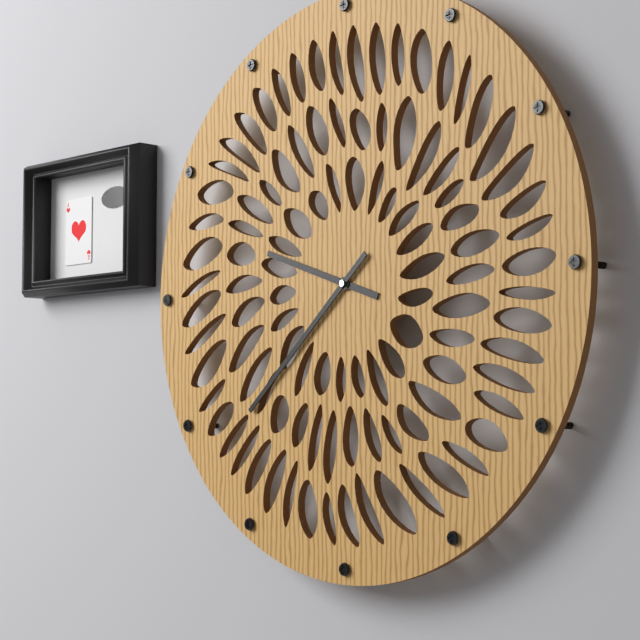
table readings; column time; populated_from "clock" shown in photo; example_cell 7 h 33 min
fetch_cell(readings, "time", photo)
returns 9 h 38 min
